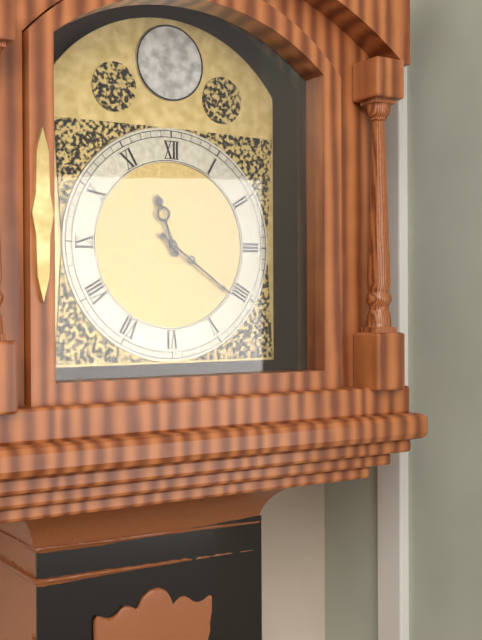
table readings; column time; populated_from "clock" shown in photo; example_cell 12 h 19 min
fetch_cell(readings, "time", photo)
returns 11 h 21 min
